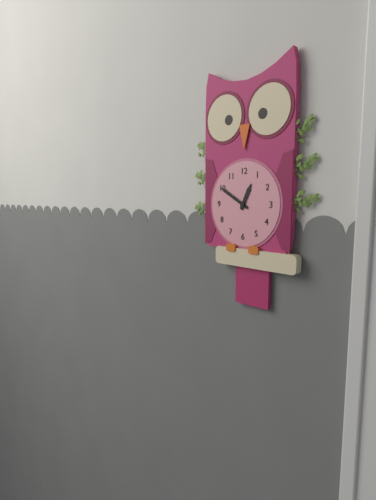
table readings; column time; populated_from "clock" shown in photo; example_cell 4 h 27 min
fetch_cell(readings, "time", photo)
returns 12 h 50 min
